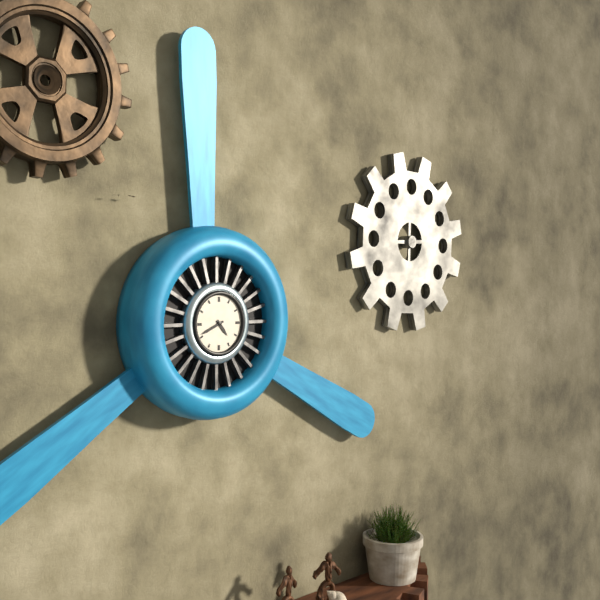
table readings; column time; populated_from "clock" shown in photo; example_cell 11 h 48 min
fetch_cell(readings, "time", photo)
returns 4 h 41 min
